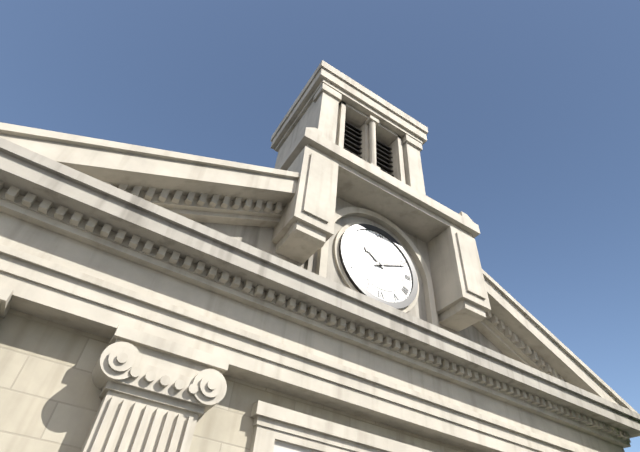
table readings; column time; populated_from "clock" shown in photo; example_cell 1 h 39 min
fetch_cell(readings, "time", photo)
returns 10 h 11 min
